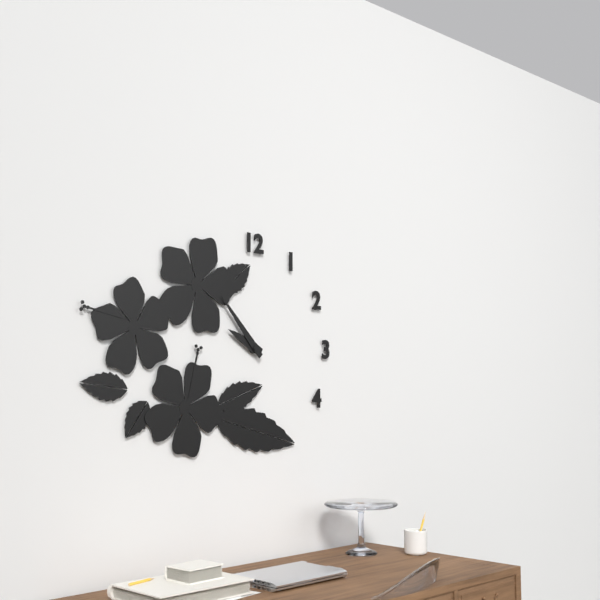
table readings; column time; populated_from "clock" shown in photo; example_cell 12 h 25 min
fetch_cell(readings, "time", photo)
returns 9 h 53 min
